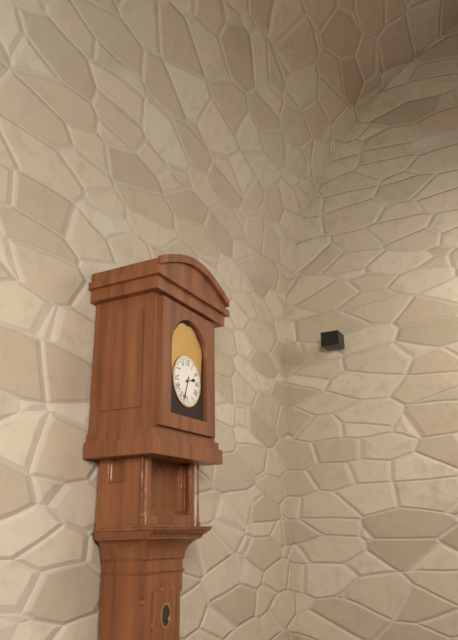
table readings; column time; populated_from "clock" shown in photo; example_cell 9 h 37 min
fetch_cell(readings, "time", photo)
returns 2 h 33 min
